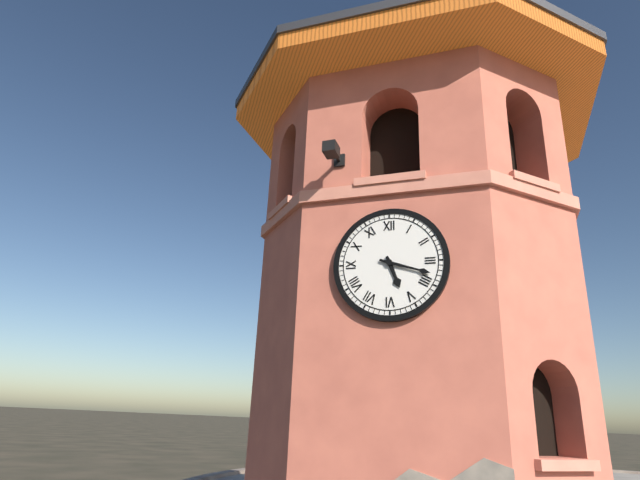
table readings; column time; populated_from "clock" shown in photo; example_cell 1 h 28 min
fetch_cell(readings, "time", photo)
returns 5 h 18 min
